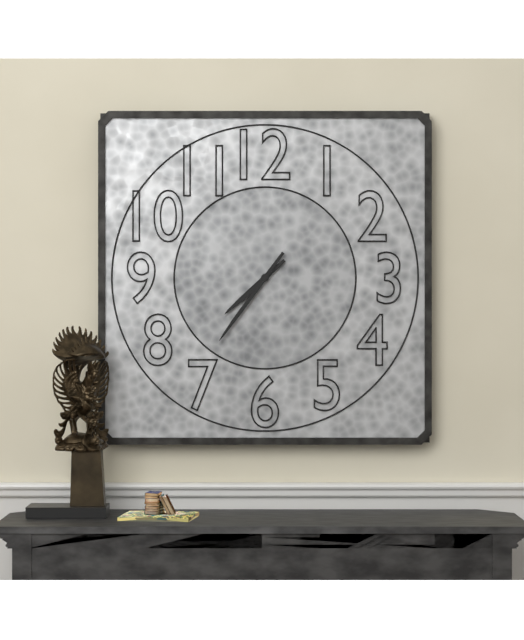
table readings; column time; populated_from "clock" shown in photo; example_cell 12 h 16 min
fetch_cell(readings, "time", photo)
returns 7 h 36 min
